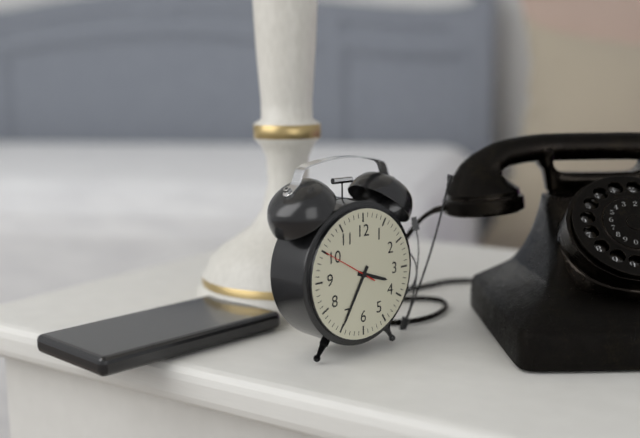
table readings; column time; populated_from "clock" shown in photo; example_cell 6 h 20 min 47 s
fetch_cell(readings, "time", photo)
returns 3 h 35 min 50 s
